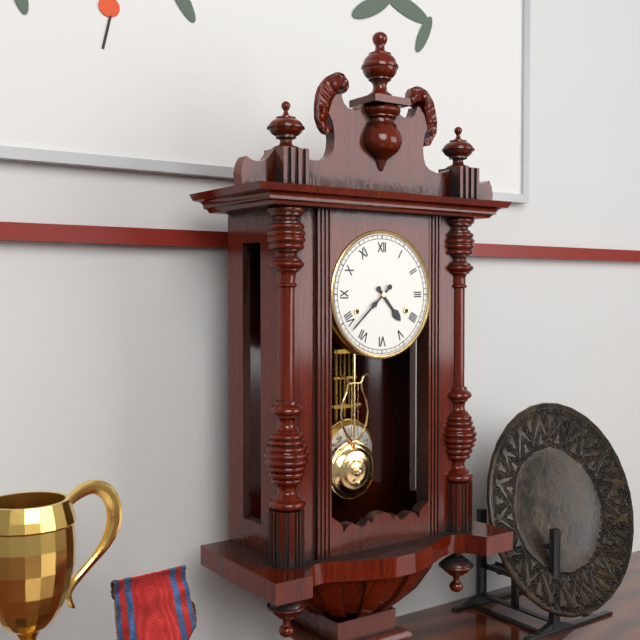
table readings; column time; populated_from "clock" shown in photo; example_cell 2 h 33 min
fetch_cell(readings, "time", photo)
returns 4 h 38 min
